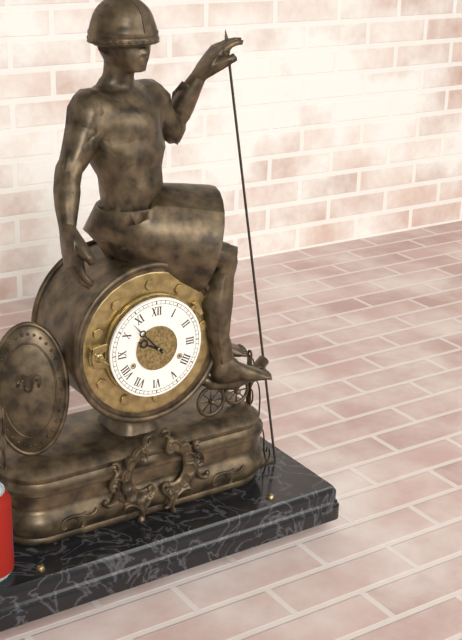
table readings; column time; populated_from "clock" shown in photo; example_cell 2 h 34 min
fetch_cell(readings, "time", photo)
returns 9 h 53 min
